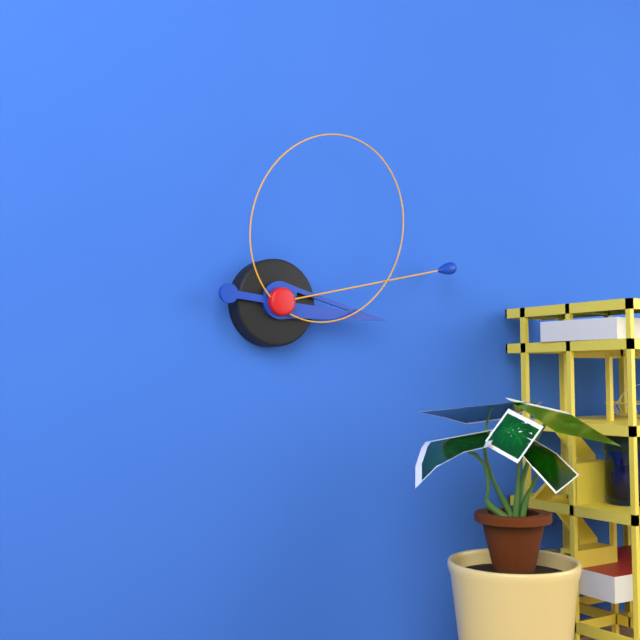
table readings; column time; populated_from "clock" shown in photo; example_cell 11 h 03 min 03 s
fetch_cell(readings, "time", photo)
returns 3 h 13 min 06 s
